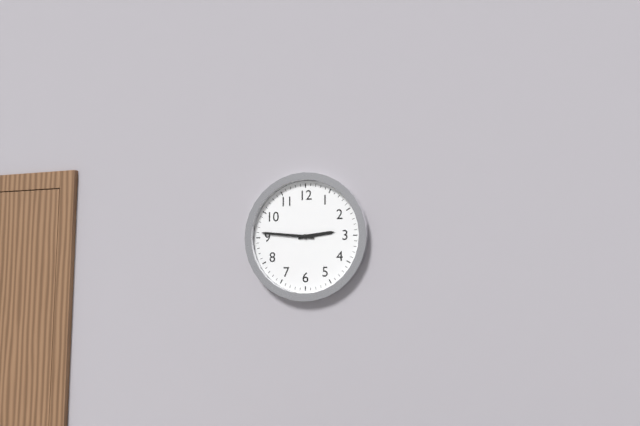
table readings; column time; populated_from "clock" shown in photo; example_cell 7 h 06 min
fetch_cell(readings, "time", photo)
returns 2 h 46 min
